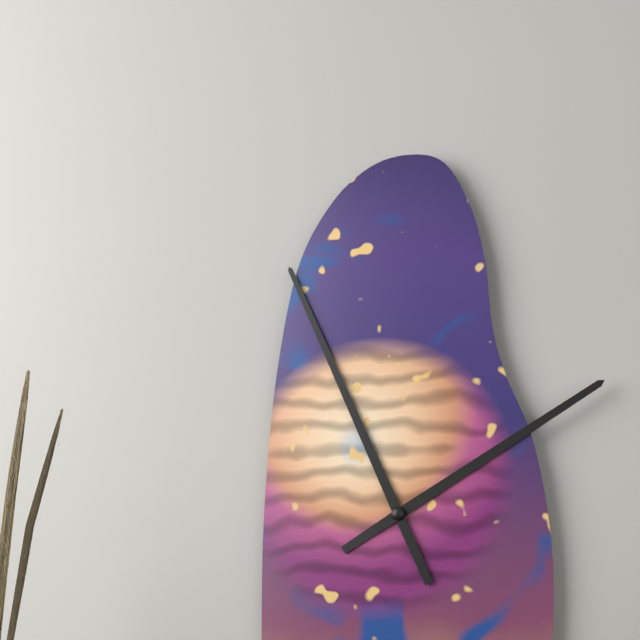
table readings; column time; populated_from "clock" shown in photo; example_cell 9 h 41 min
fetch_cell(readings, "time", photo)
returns 1 h 56 min
